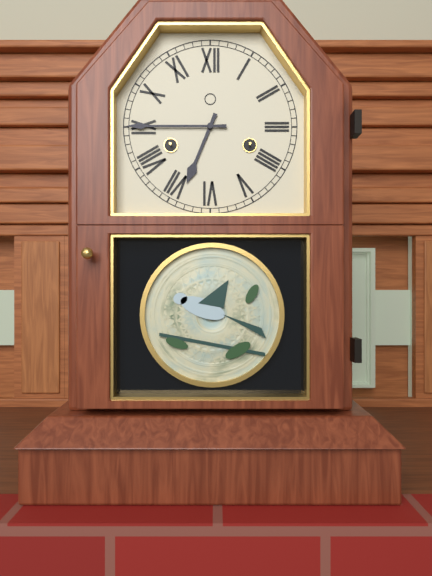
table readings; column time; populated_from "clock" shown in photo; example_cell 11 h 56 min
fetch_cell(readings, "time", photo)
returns 6 h 45 min
